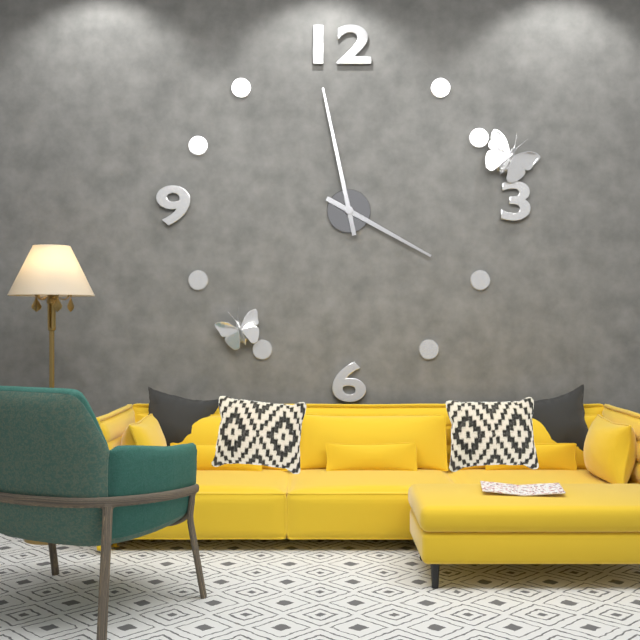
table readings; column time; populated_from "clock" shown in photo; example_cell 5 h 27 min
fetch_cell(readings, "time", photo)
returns 3 h 58 min
